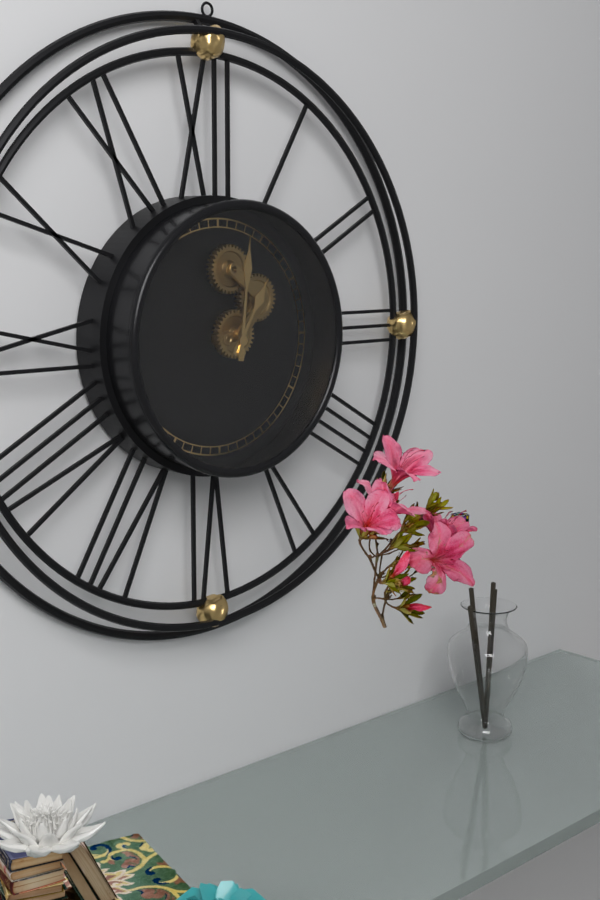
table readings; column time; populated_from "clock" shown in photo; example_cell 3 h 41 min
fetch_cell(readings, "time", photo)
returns 1 h 01 min
